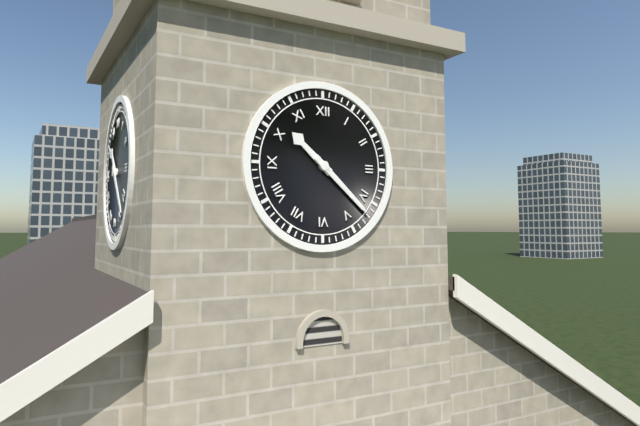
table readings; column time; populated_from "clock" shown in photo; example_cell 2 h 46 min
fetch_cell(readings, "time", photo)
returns 10 h 22 min
